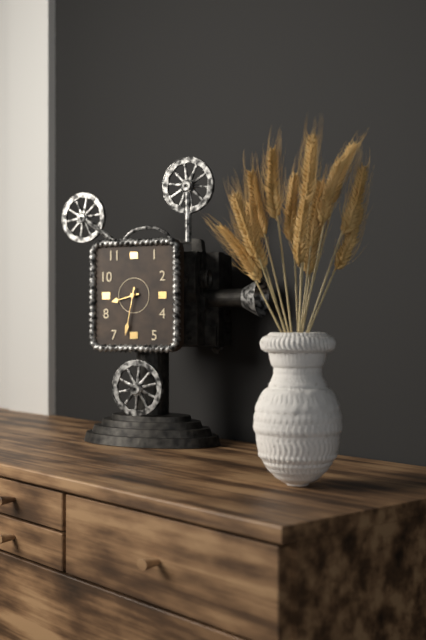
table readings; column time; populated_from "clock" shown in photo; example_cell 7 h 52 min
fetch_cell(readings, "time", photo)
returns 8 h 32 min
